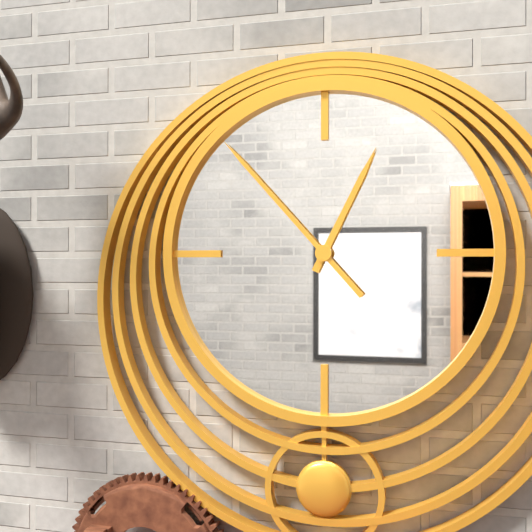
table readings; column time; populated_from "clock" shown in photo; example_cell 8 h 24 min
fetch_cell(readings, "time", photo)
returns 12 h 53 min
